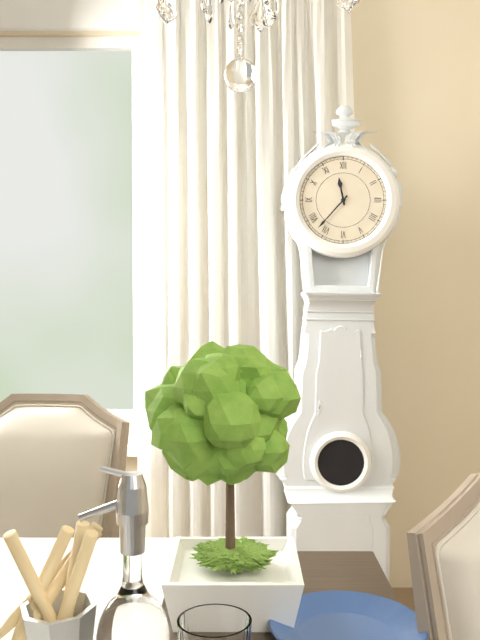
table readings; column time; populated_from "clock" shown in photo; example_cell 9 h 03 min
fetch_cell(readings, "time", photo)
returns 11 h 37 min
